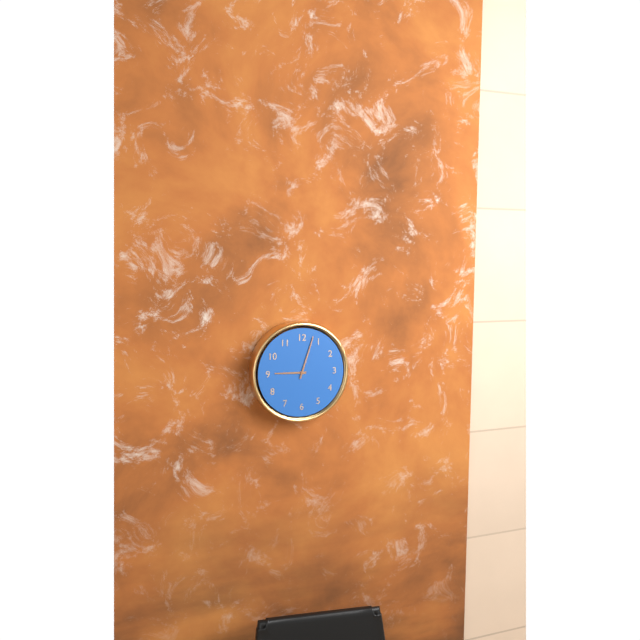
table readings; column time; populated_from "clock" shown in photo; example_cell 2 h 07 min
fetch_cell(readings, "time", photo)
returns 9 h 03 min
